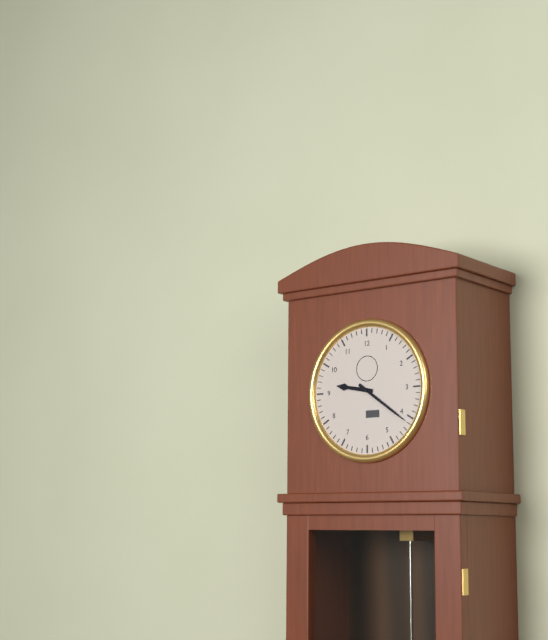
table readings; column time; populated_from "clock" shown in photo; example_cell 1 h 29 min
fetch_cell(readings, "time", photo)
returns 9 h 21 min
